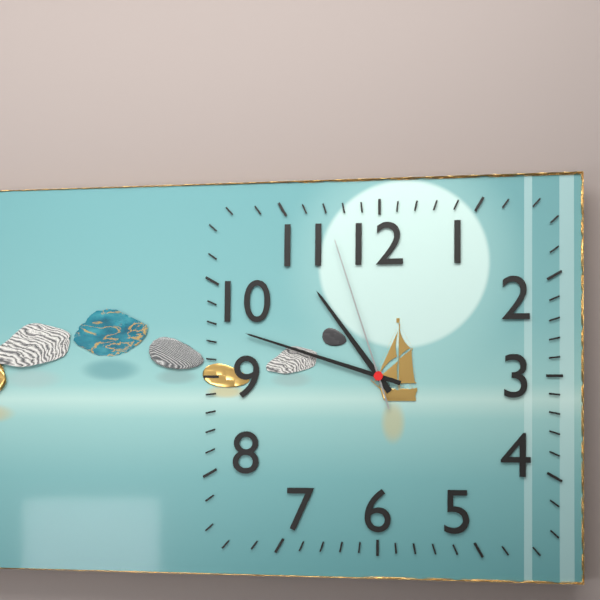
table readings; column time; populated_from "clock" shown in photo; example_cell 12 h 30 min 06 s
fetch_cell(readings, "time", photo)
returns 10 h 48 min 57 s
